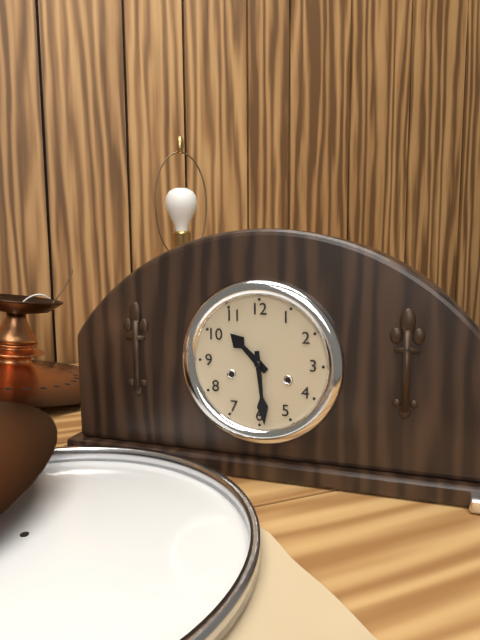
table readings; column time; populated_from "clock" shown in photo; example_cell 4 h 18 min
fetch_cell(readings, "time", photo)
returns 10 h 29 min
